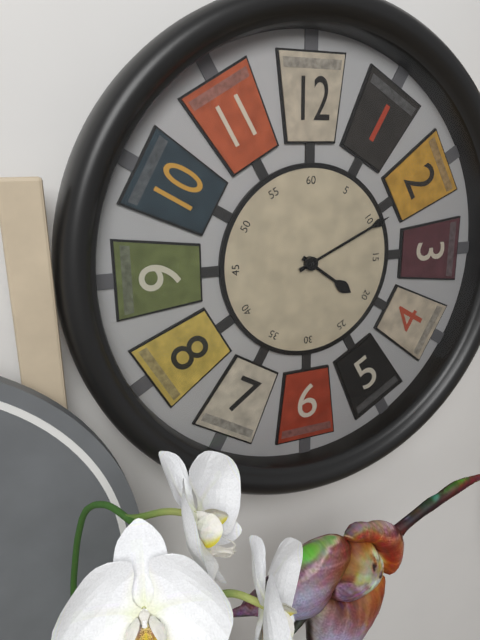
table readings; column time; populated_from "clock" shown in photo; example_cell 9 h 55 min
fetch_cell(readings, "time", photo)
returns 4 h 11 min
